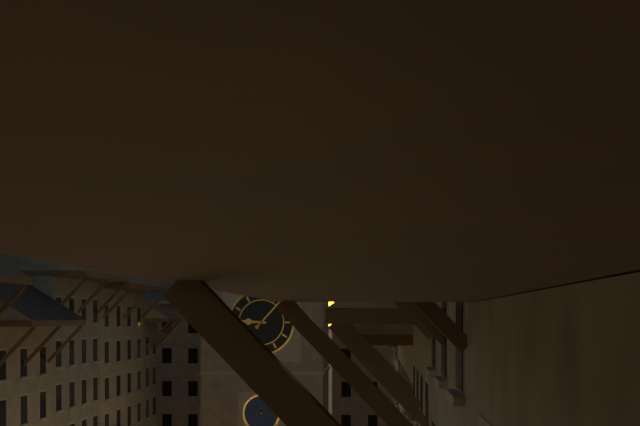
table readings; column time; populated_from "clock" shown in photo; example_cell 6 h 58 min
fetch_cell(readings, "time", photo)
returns 9 h 07 min
